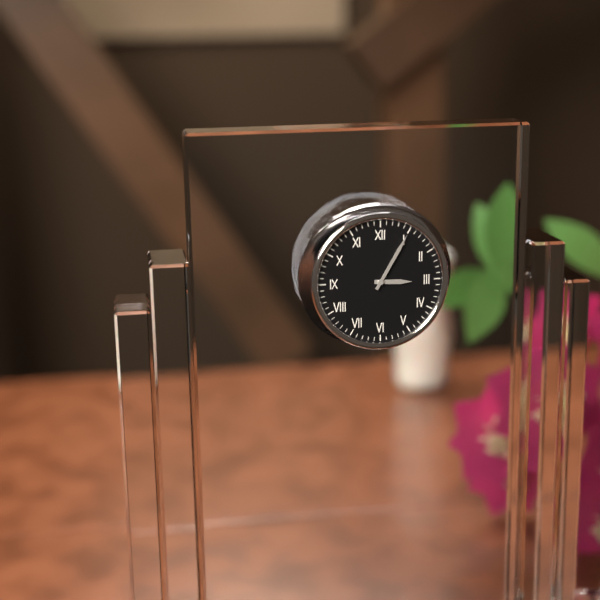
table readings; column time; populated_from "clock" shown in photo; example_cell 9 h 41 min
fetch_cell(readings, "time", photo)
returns 3 h 05 min
